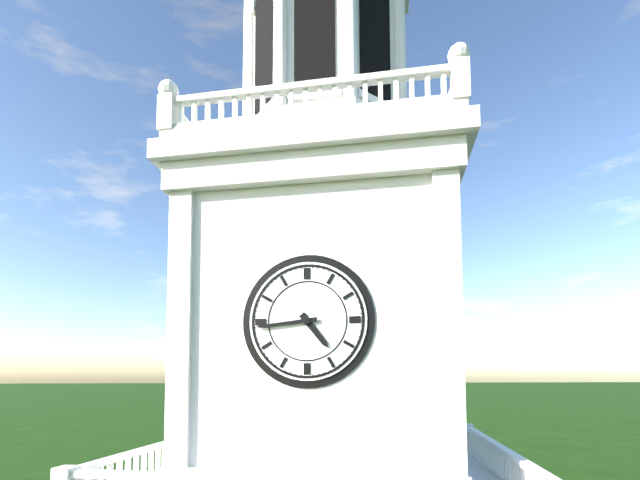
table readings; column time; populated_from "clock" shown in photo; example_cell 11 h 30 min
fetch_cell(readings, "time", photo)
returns 4 h 44 min
